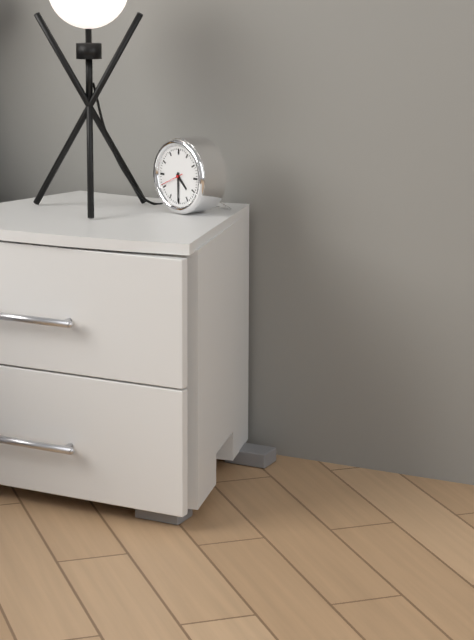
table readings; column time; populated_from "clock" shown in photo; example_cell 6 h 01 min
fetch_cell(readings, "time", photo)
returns 4 h 30 min
